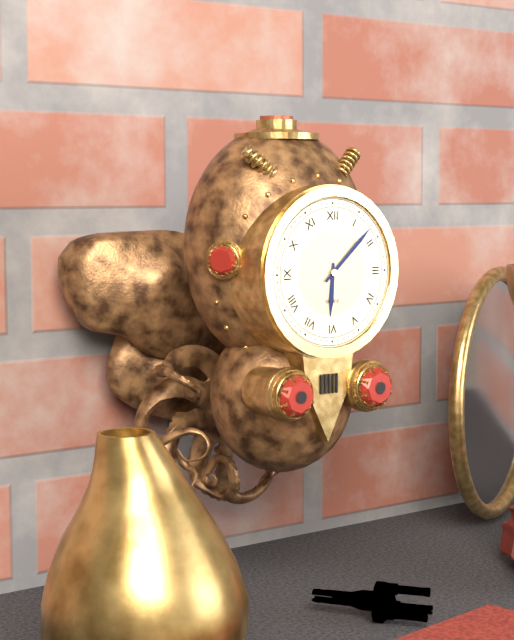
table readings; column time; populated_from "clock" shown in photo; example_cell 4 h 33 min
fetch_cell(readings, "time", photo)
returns 6 h 08 min
